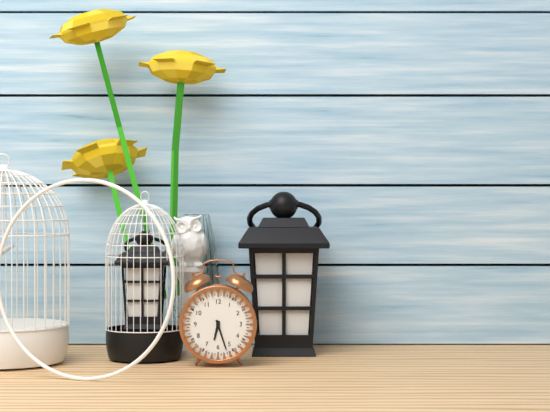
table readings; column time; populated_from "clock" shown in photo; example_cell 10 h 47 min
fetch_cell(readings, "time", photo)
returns 6 h 27 min
